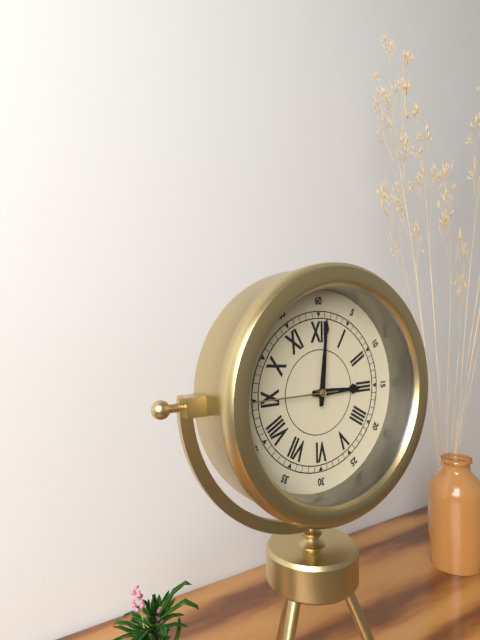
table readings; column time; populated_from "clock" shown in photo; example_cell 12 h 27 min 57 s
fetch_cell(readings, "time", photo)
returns 3 h 01 min 45 s
